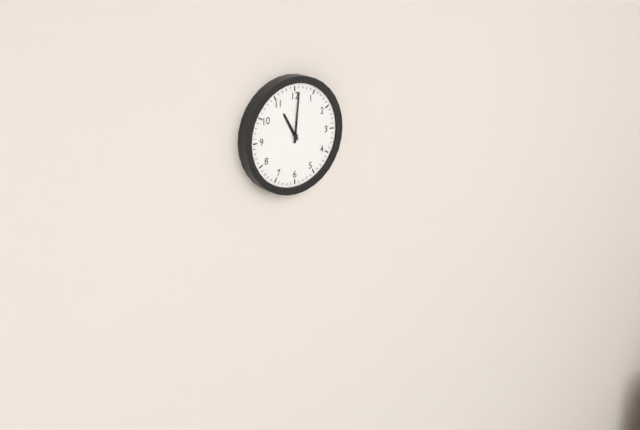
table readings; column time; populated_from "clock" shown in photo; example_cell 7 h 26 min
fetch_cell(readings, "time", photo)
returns 11 h 01 min
